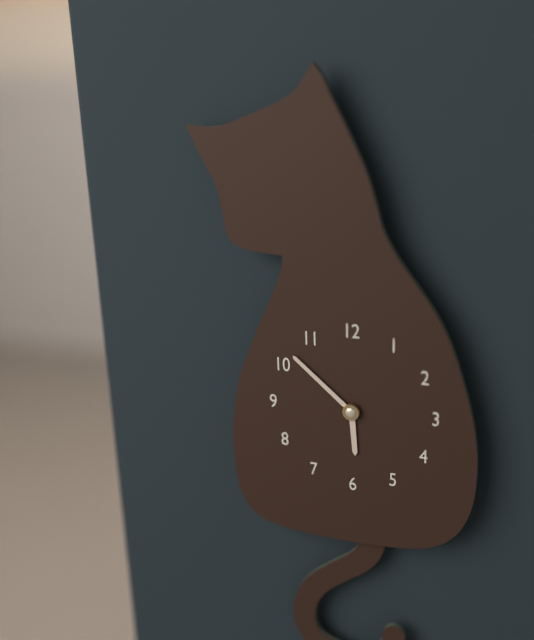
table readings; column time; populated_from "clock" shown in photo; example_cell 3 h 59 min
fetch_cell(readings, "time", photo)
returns 5 h 52 min
